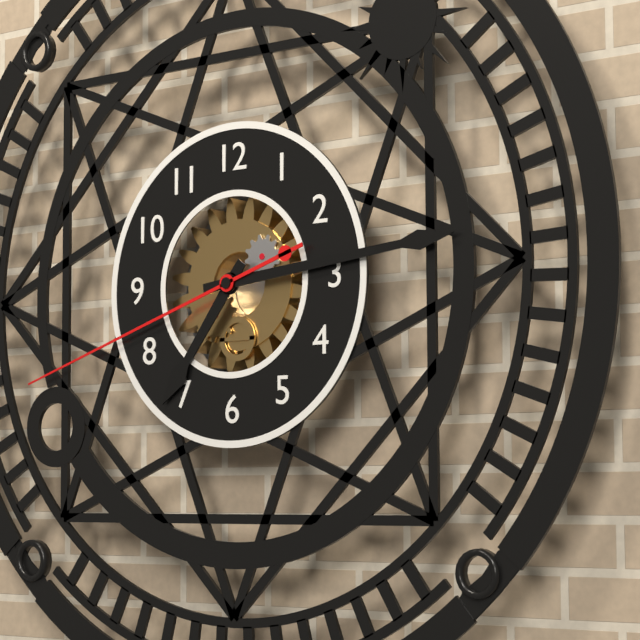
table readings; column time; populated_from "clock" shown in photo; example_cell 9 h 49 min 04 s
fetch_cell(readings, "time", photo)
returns 7 h 14 min 42 s
